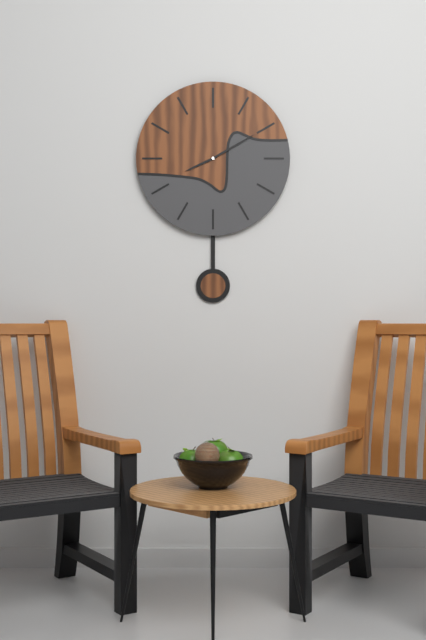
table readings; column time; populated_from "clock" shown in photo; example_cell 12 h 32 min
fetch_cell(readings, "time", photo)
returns 8 h 10 min
